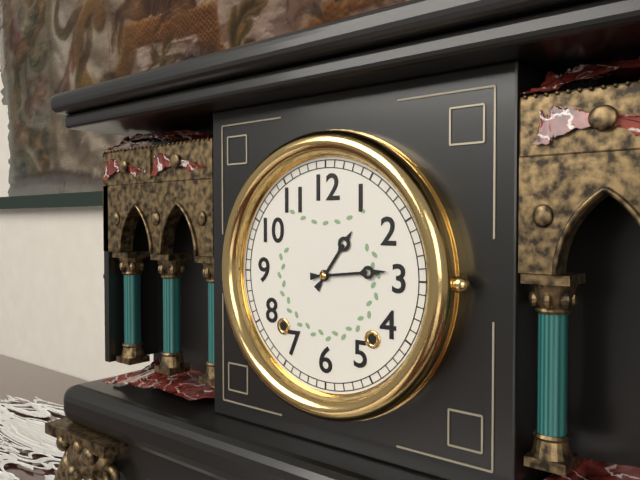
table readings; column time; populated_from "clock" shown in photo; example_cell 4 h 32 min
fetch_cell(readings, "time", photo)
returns 1 h 14 min
